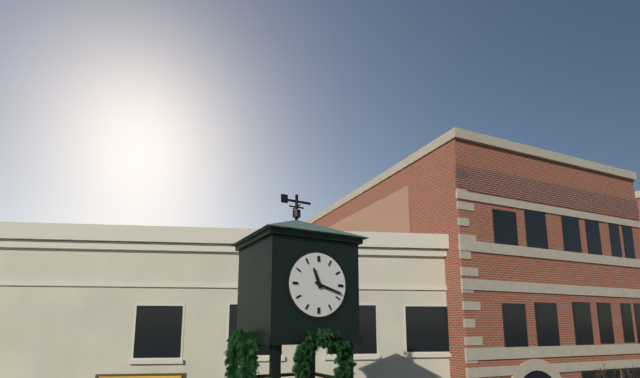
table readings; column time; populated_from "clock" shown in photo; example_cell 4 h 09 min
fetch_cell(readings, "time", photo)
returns 11 h 18 min
